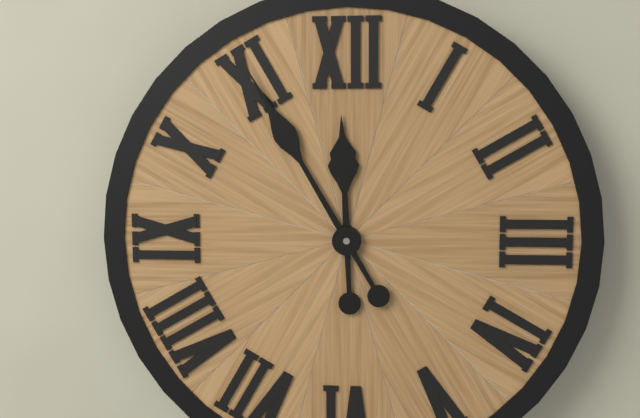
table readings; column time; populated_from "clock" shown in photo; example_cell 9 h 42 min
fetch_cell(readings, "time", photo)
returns 11 h 55 min
